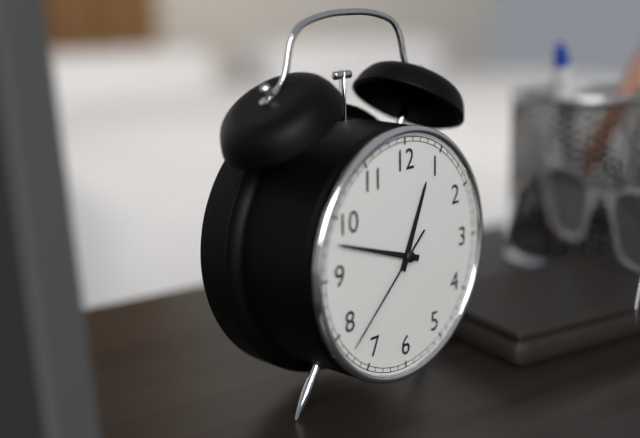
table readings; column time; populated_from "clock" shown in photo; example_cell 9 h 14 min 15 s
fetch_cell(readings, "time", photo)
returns 12 h 48 min 38 s
